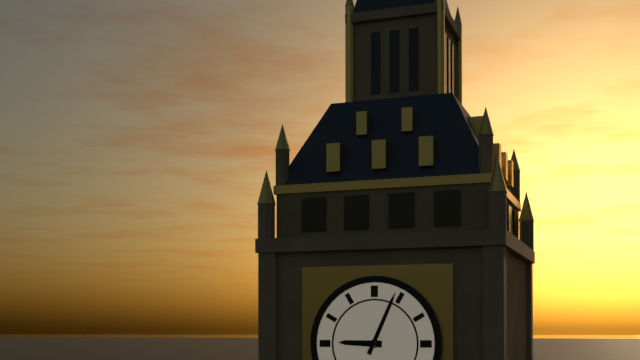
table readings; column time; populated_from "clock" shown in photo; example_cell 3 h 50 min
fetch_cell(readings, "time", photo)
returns 9 h 04 min
